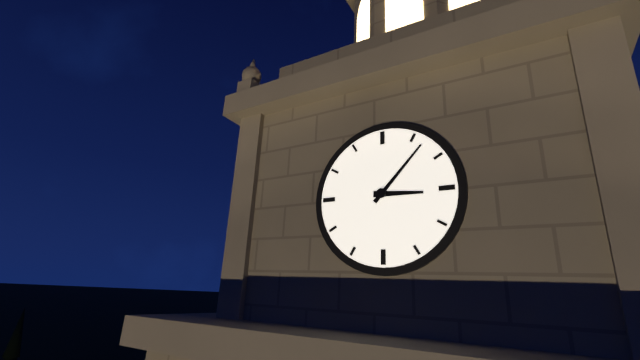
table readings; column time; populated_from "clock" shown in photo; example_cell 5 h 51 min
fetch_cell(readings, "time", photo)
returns 3 h 07 min
